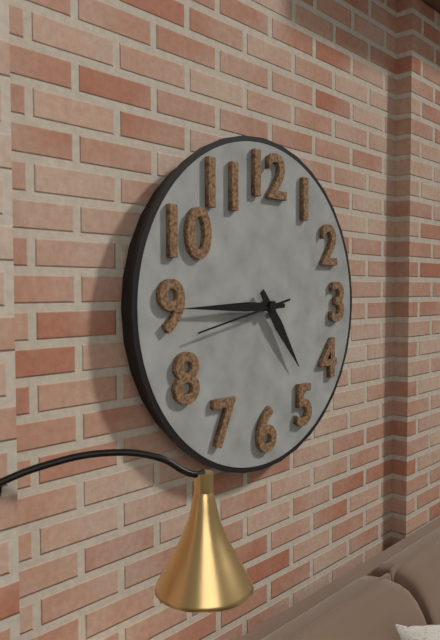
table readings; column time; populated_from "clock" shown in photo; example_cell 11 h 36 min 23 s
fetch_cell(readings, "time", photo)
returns 4 h 45 min 43 s
